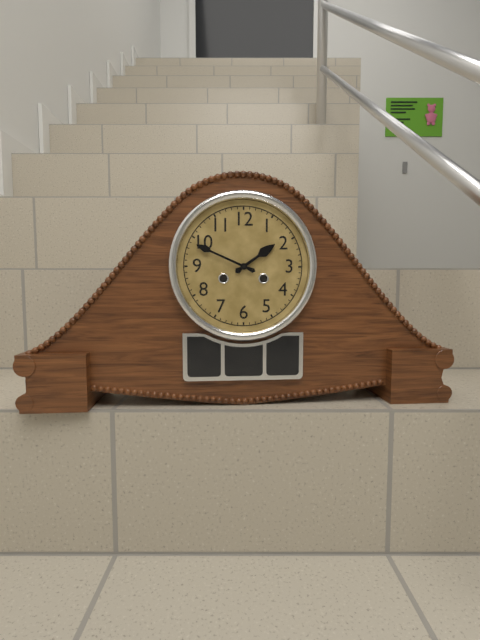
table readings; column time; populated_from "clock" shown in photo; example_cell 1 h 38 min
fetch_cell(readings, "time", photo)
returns 1 h 49 min
